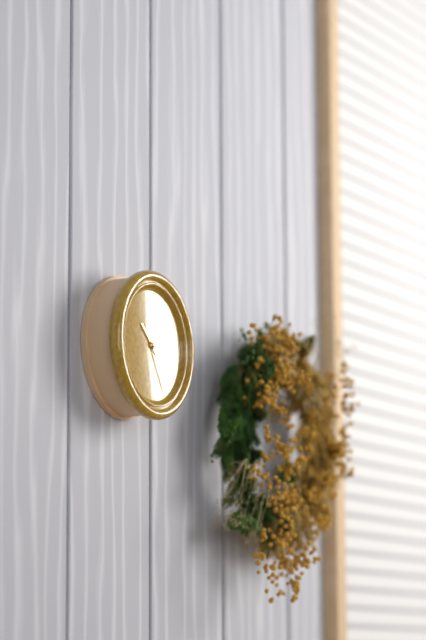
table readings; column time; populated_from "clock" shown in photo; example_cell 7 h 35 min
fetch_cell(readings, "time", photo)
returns 10 h 25 min
